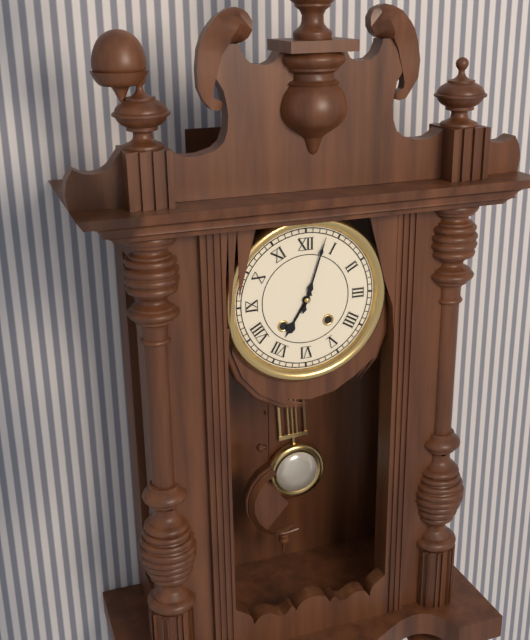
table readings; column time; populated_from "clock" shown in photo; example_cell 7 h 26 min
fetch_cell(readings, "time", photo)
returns 7 h 03 min
